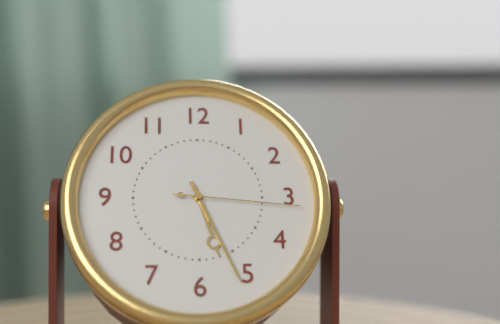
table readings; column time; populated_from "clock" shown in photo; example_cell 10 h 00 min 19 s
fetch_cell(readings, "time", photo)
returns 5 h 26 min 16 s
